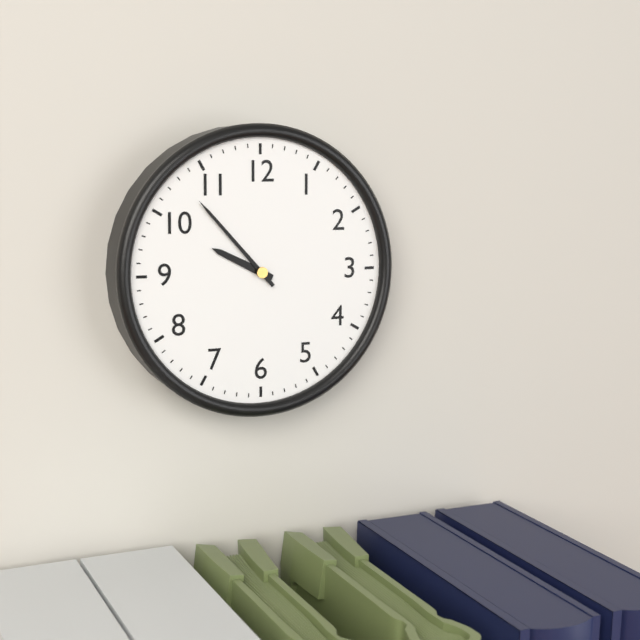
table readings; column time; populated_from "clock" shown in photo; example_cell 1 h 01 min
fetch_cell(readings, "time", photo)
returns 9 h 53 min
